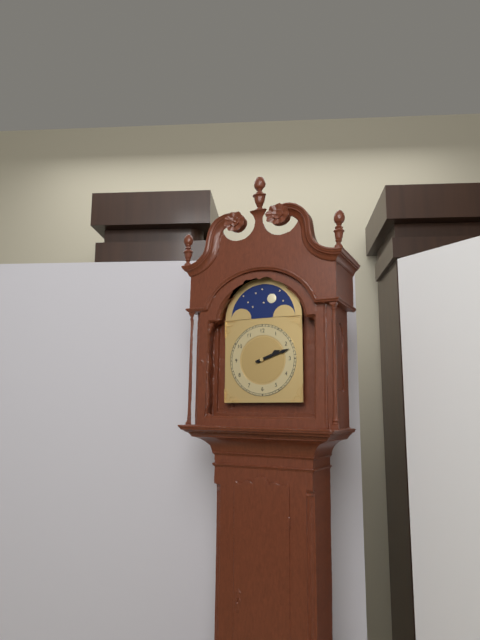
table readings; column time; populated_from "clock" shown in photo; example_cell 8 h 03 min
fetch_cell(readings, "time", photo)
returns 2 h 12 min
